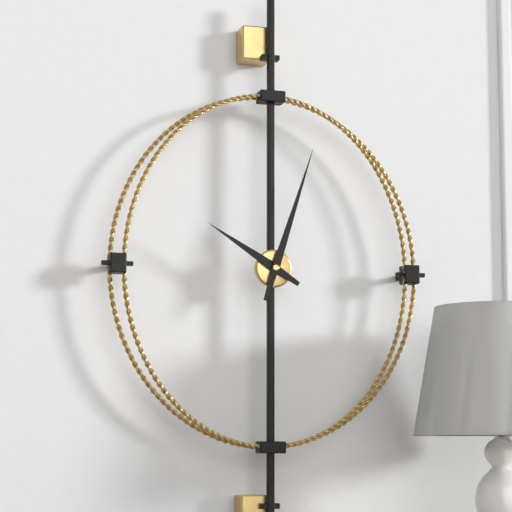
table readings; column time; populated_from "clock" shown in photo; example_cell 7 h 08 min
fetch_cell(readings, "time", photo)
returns 10 h 03 min
